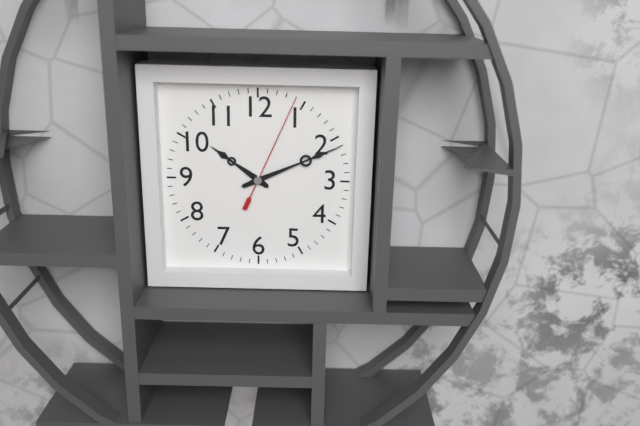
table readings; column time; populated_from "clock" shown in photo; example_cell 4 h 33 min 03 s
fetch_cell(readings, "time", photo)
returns 10 h 11 min 04 s
